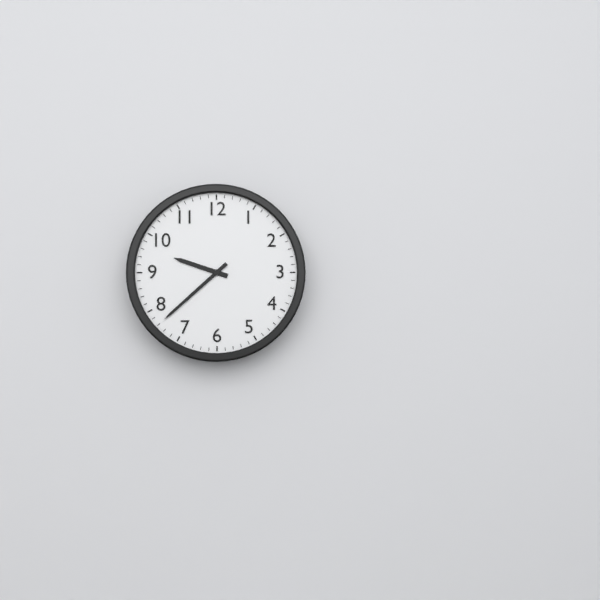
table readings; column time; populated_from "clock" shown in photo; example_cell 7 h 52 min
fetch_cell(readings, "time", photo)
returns 9 h 38 min
